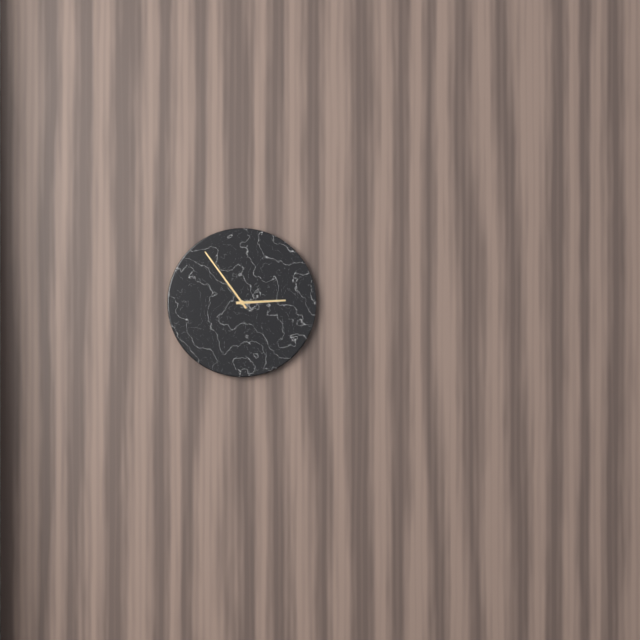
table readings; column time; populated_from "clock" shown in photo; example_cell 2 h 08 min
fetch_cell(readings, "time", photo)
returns 2 h 54 min
